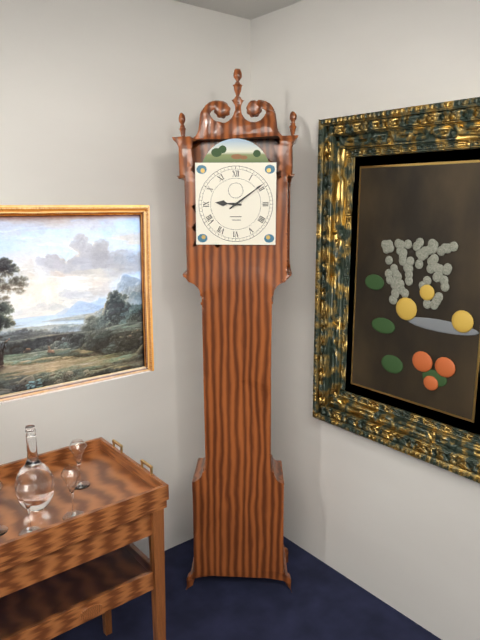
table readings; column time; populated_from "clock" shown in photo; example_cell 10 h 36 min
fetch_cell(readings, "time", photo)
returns 9 h 09 min
